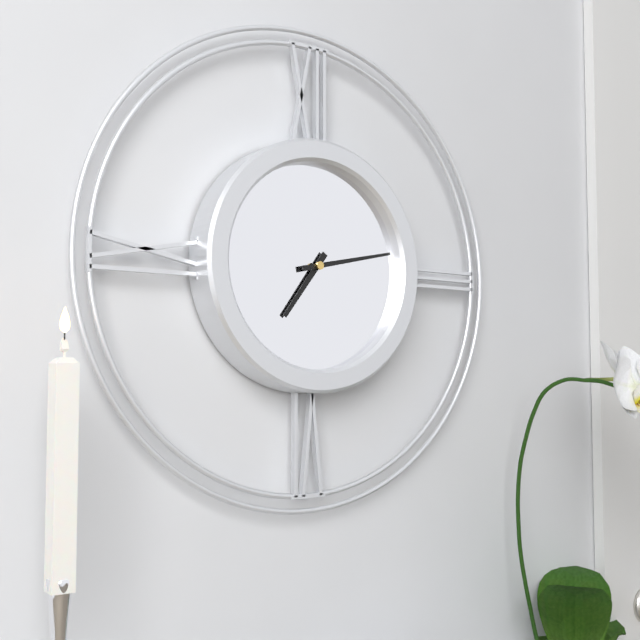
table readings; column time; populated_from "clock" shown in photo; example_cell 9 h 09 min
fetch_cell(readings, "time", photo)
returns 7 h 13 min
